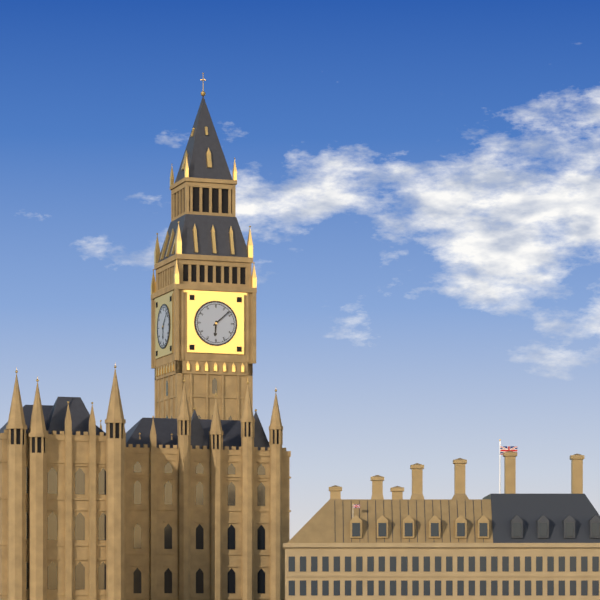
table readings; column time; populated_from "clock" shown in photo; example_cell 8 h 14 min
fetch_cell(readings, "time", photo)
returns 6 h 08 min
